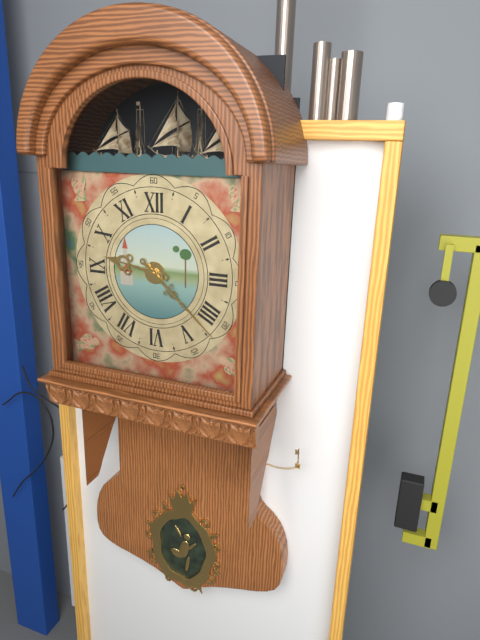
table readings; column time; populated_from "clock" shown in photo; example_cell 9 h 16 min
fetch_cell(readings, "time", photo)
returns 9 h 22 min
